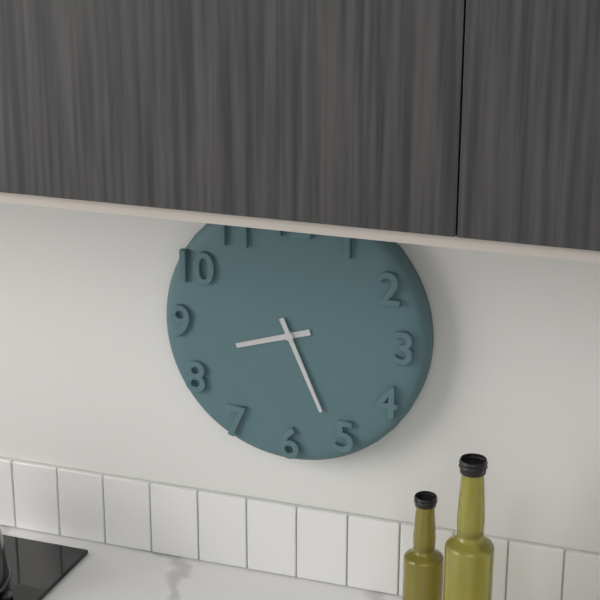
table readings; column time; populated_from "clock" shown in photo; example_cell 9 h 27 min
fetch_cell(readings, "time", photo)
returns 8 h 26 min
